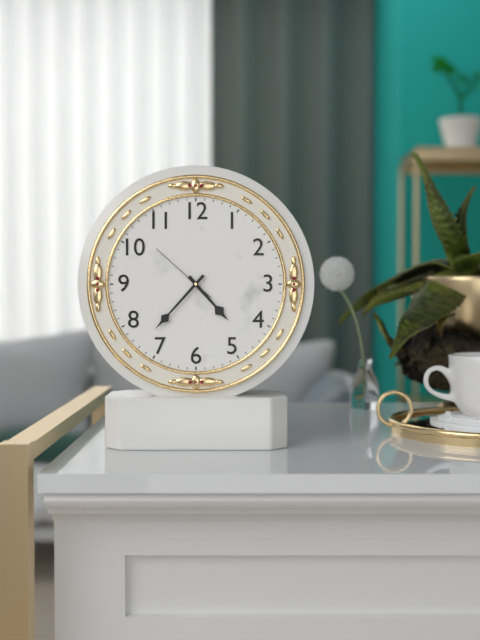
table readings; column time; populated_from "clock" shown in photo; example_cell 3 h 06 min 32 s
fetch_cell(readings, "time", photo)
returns 4 h 37 min 52 s
